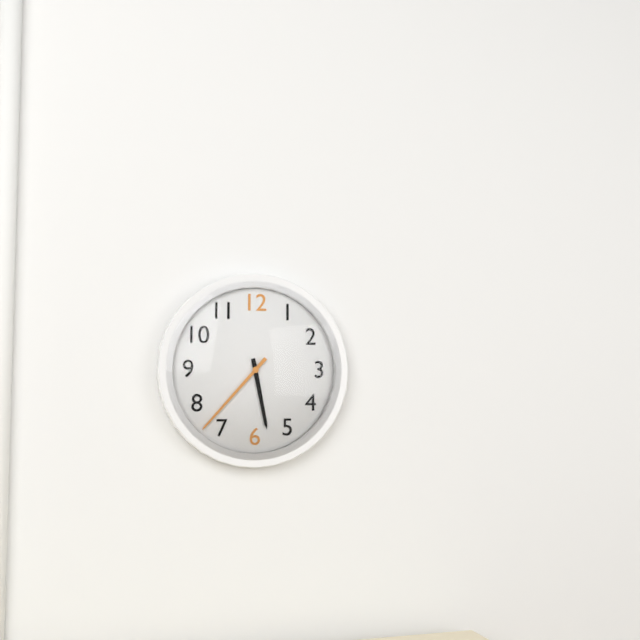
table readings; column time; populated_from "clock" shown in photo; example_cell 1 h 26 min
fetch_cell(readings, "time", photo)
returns 5 h 37 min
